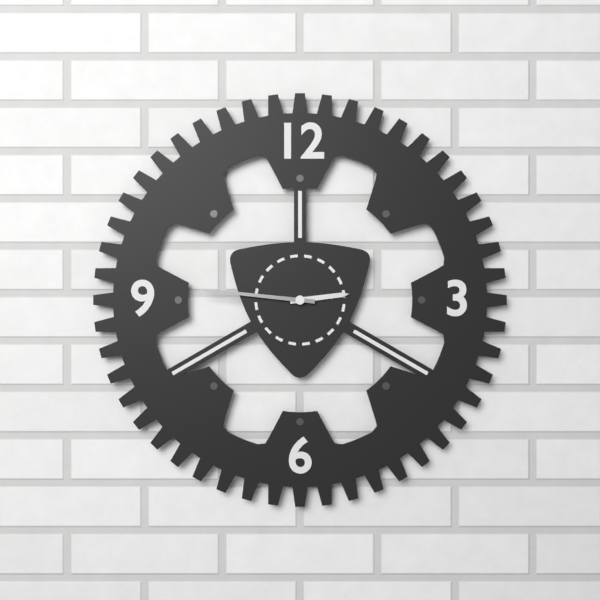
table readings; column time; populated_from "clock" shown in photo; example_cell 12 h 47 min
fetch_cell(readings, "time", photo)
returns 2 h 46 min
